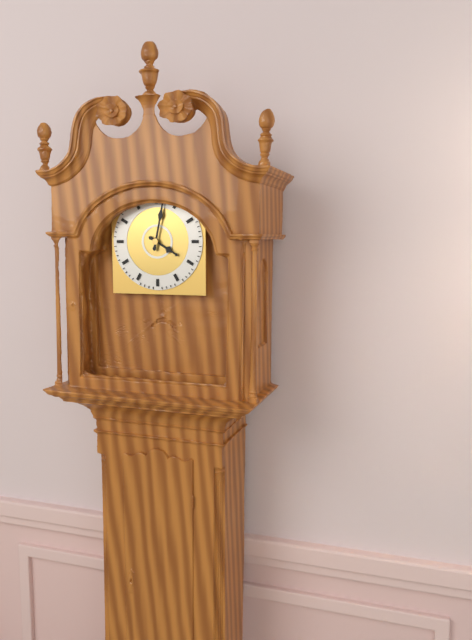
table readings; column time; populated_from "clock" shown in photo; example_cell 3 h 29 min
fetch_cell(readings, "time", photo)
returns 4 h 02 min
